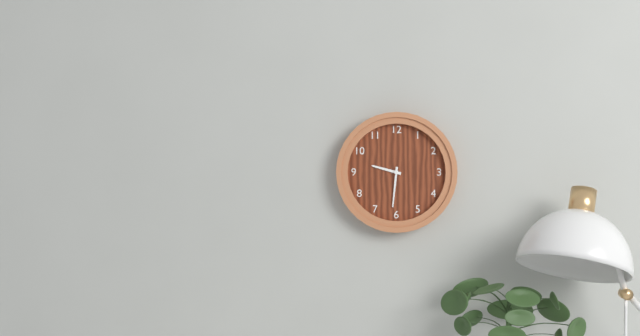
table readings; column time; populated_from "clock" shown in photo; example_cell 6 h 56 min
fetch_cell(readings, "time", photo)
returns 9 h 31 min
